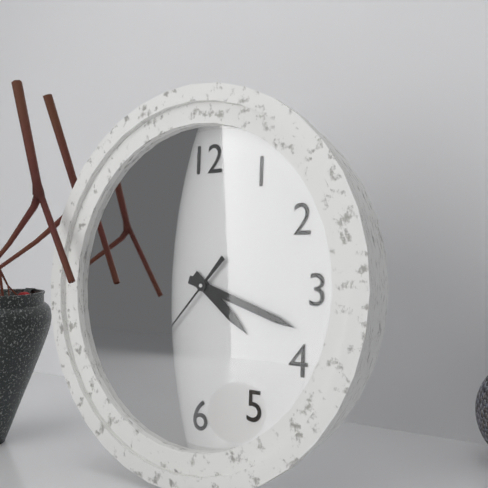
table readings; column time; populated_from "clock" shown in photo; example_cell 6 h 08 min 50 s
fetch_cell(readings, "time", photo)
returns 4 h 18 min 37 s
